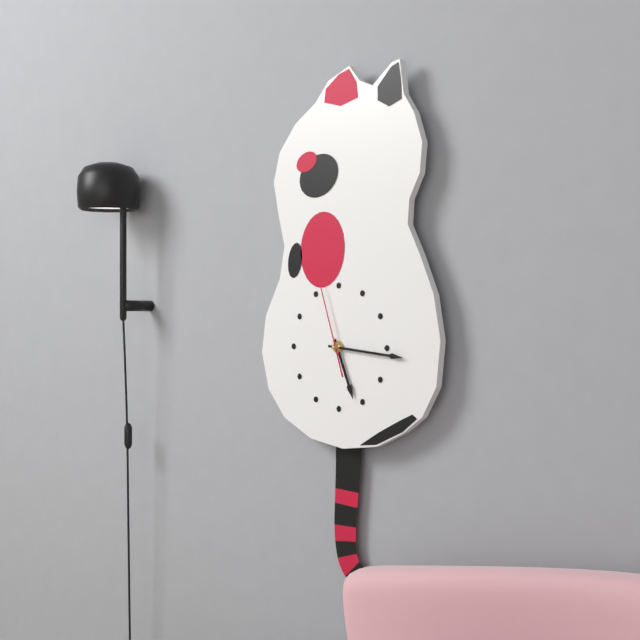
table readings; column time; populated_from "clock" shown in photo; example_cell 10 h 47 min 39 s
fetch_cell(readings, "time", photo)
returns 5 h 16 min 57 s
